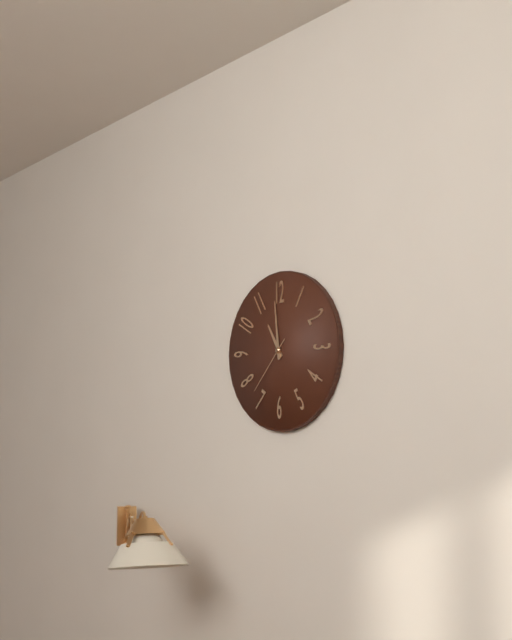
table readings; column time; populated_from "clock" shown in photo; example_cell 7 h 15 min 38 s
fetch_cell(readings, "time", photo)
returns 10 h 59 min 37 s
